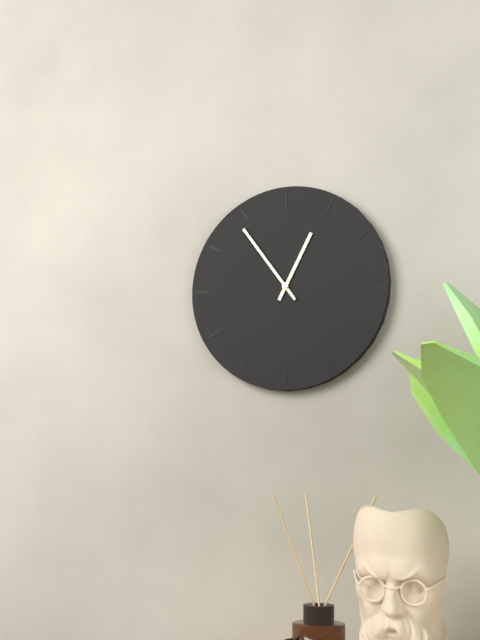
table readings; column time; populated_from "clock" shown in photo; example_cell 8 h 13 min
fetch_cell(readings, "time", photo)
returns 12 h 54 min
